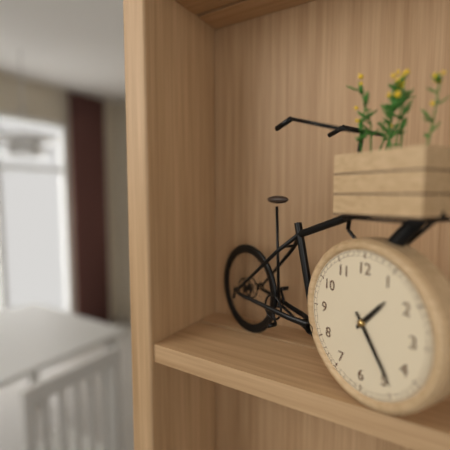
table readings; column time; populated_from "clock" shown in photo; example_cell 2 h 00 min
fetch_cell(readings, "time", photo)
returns 1 h 24 min
